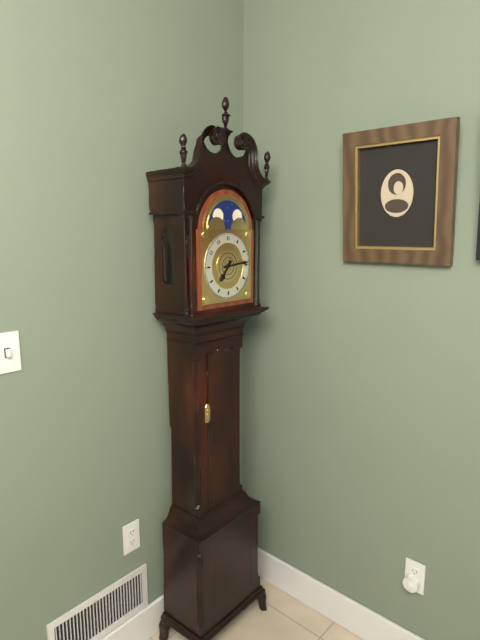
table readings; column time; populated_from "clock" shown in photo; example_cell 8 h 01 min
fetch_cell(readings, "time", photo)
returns 7 h 14 min
